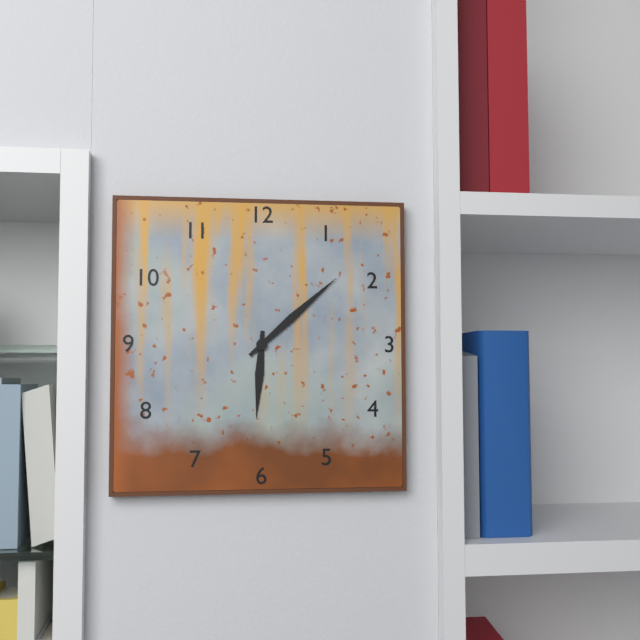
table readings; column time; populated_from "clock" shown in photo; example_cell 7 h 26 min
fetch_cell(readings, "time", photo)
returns 6 h 08 min
